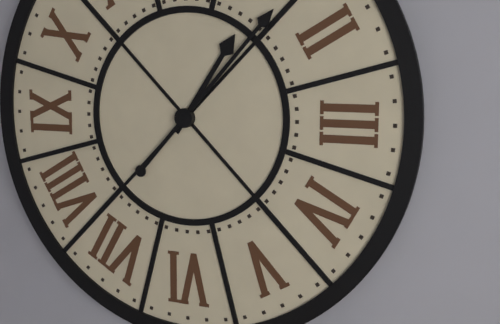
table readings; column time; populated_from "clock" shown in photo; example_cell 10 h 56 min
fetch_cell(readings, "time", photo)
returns 1 h 07 min
